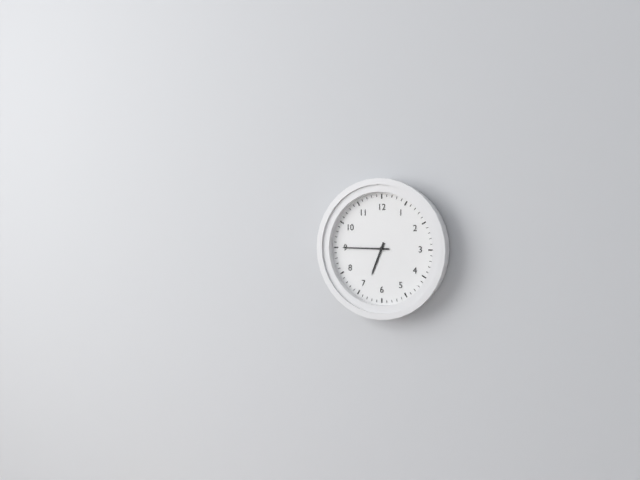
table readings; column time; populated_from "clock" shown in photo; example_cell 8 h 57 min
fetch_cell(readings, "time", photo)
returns 6 h 45 min
